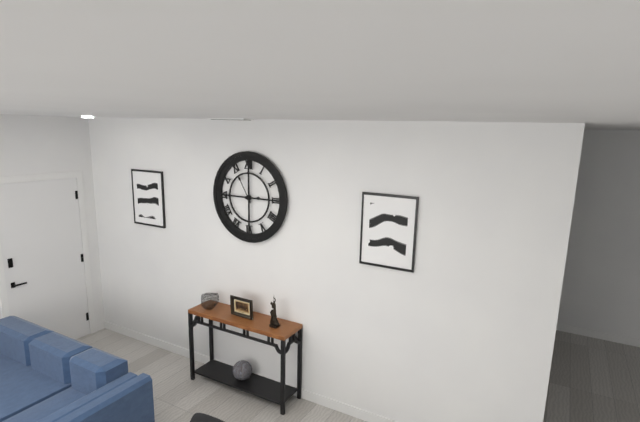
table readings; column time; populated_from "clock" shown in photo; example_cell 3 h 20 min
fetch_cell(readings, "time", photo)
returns 2 h 55 min
